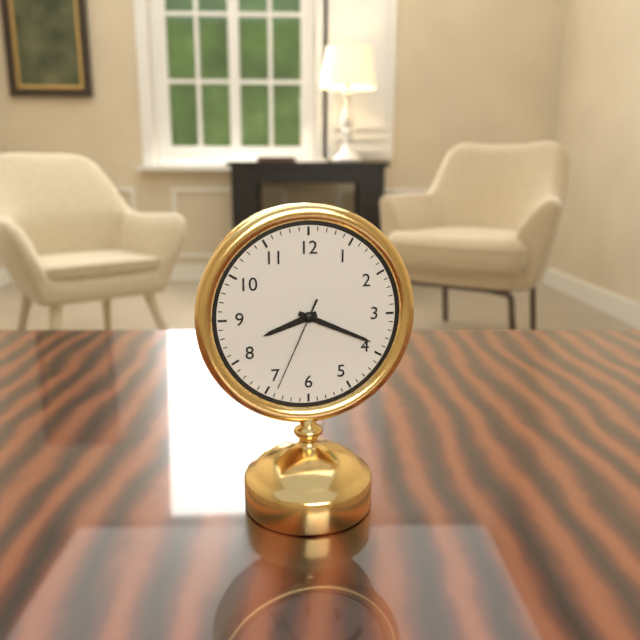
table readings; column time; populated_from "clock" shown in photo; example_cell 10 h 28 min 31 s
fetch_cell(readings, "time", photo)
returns 8 h 19 min 34 s
